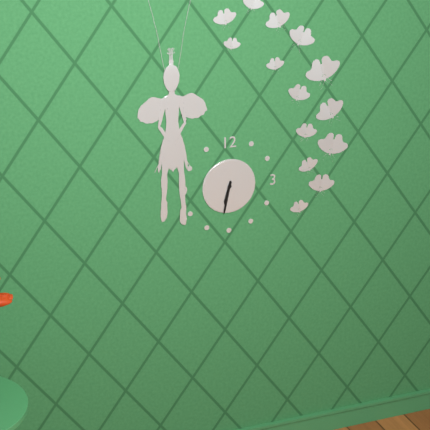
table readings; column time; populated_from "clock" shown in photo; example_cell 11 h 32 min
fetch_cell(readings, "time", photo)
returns 6 h 32 min
